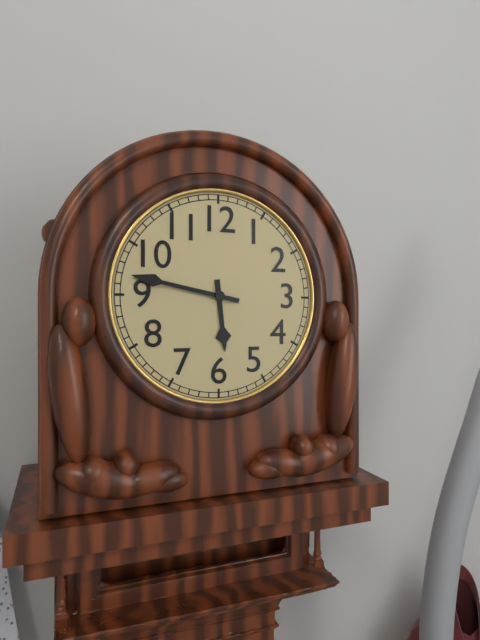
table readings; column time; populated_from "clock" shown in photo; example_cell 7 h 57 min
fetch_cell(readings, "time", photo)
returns 5 h 47 min
